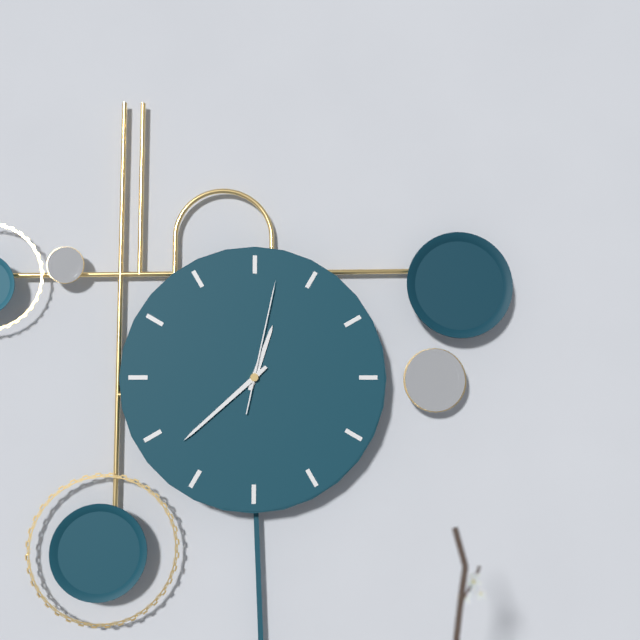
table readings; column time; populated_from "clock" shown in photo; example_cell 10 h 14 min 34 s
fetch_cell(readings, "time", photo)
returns 12 h 38 min 02 s
